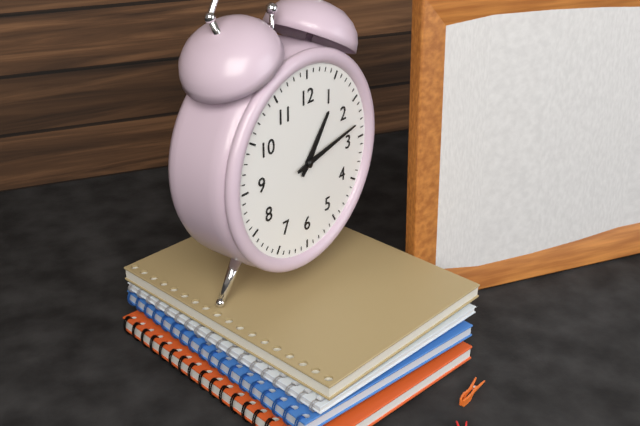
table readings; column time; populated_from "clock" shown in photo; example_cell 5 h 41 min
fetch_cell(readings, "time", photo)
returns 1 h 13 min
